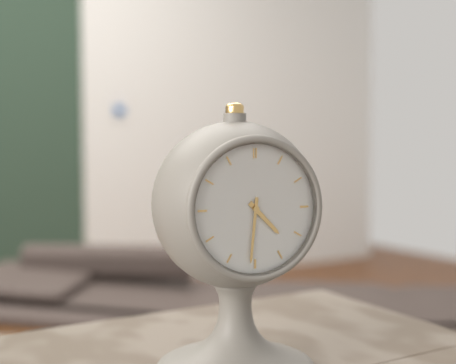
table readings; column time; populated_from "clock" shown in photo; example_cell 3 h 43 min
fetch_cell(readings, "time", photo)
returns 4 h 31 min
